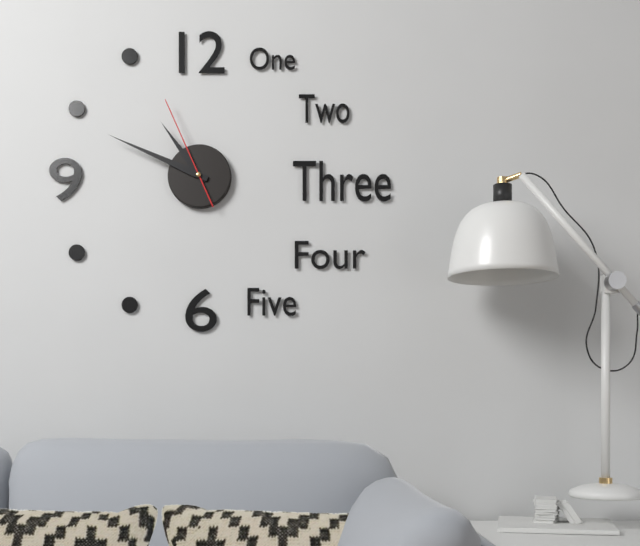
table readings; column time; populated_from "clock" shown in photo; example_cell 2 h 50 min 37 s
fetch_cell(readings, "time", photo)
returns 10 h 49 min 56 s
